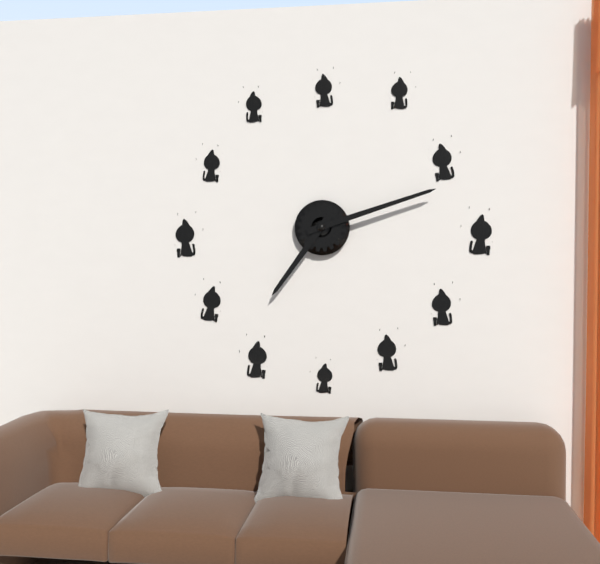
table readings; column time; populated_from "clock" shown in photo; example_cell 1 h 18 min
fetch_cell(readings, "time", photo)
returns 7 h 12 min
